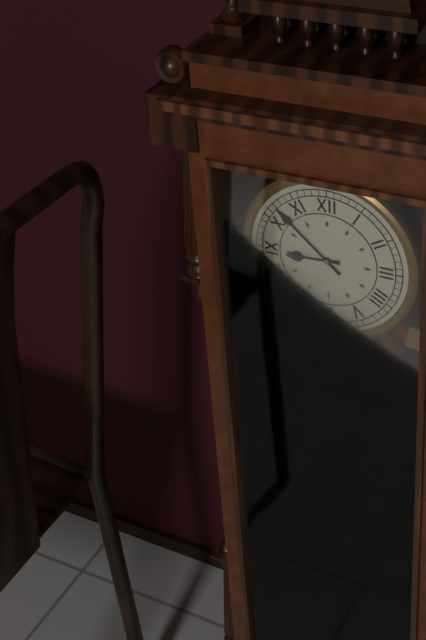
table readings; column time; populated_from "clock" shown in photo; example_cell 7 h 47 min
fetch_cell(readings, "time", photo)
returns 8 h 52 min
